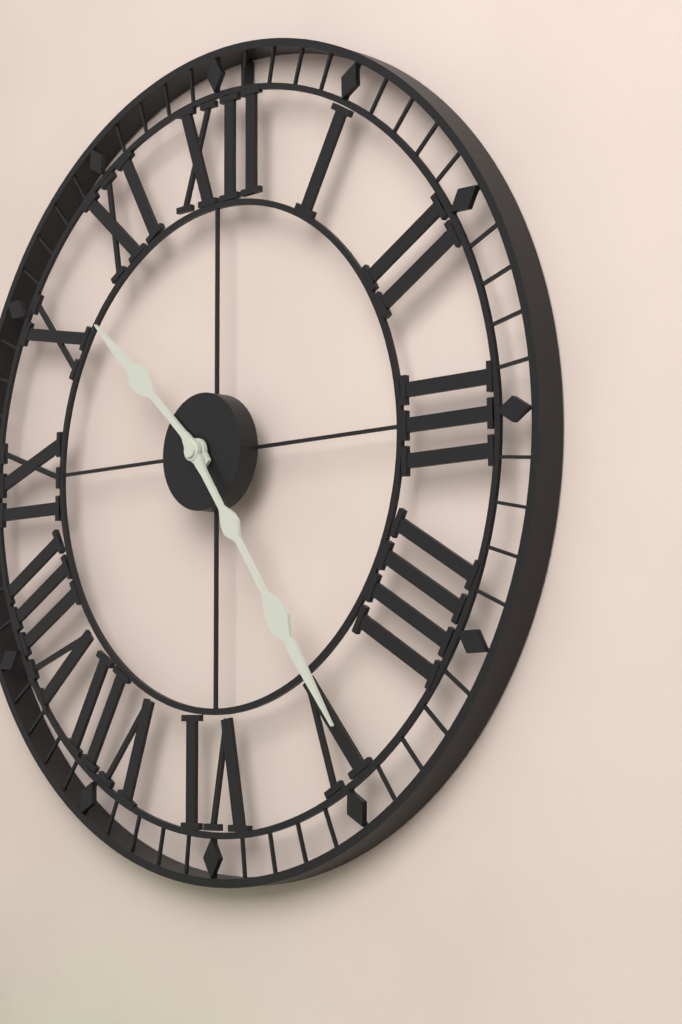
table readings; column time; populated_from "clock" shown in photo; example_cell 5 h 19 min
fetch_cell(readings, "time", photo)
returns 10 h 24 min
